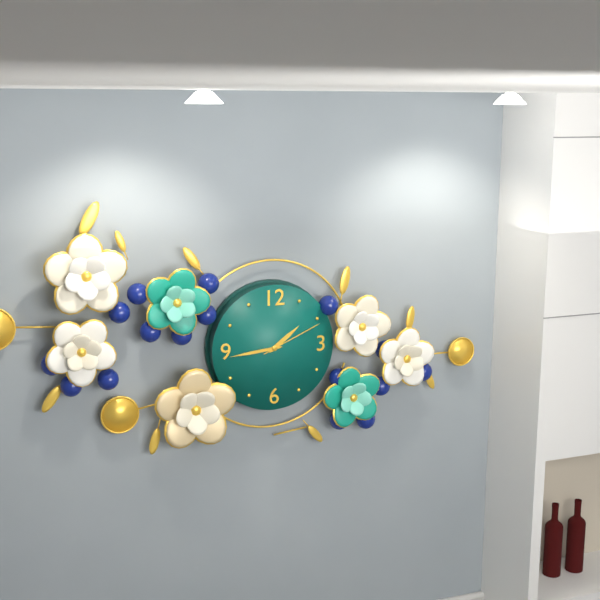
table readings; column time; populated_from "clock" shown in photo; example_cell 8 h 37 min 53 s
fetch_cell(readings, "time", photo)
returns 1 h 44 min 11 s
